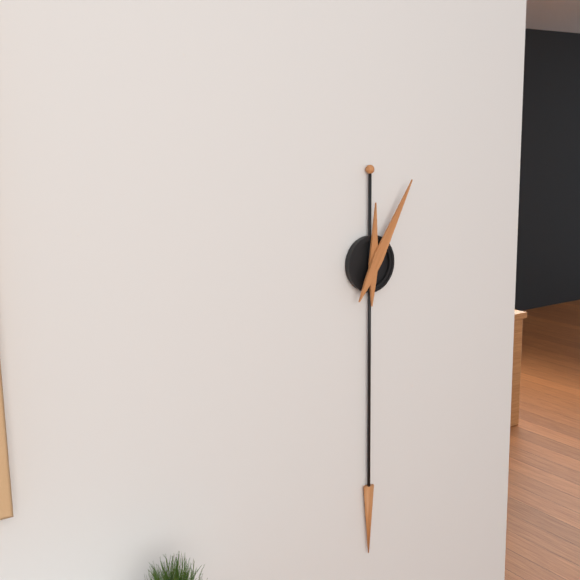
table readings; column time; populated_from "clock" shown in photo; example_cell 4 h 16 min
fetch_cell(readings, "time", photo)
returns 12 h 05 min
